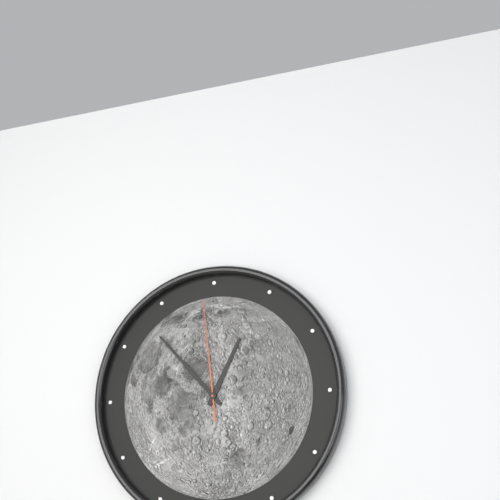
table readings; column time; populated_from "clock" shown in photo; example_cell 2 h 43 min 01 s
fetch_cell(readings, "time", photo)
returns 12 h 53 min 59 s
